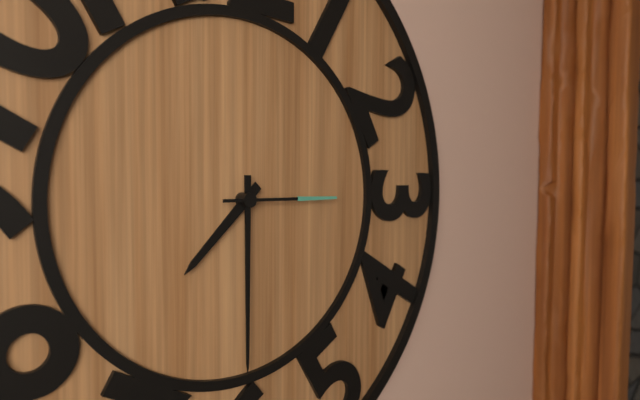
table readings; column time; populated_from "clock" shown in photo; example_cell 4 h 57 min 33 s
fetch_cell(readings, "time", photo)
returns 7 h 30 min 15 s
